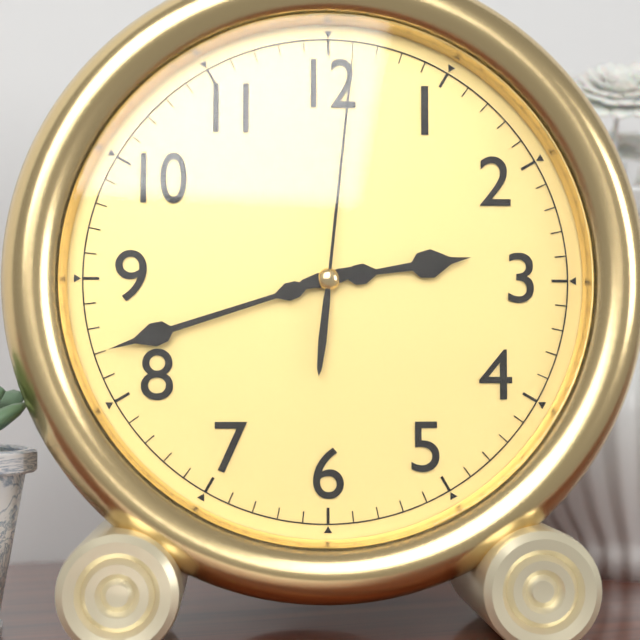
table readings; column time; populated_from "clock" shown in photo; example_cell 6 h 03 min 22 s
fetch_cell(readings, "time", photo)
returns 2 h 42 min 01 s
